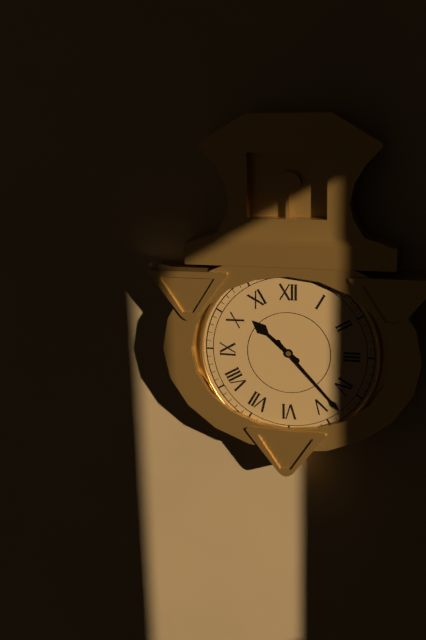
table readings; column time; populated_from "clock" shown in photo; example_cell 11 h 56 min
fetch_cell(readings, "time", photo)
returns 10 h 23 min
